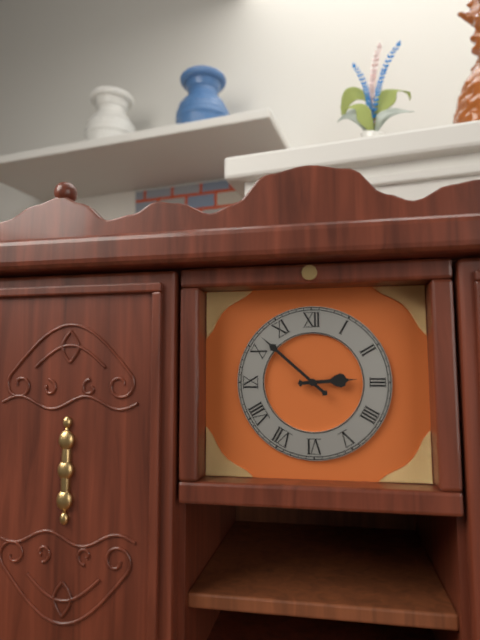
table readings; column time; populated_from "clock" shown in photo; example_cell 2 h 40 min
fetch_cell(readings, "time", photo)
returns 2 h 52 min
